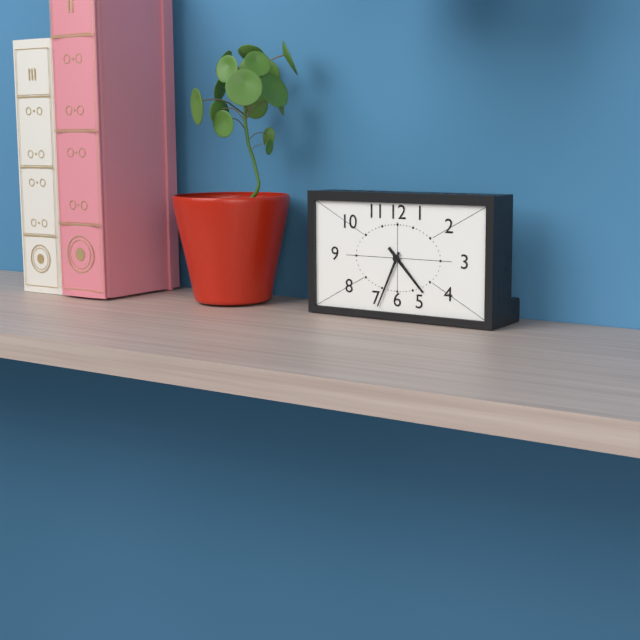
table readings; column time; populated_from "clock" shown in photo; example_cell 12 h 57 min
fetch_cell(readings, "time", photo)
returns 4 h 34 min
